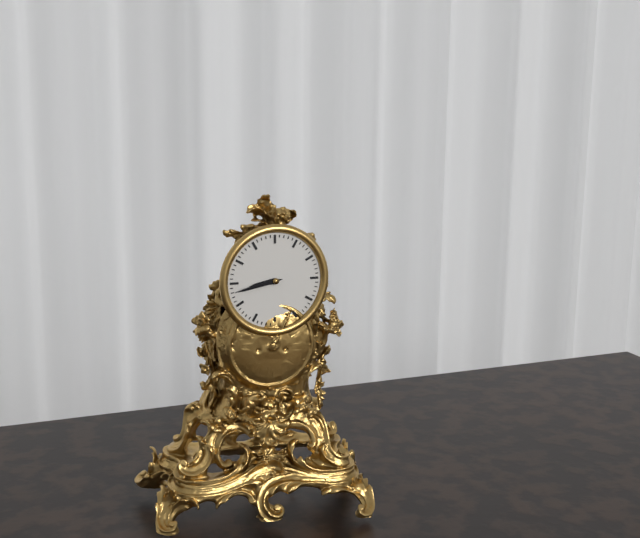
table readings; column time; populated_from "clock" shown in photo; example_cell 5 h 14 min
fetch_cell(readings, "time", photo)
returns 8 h 43 min
